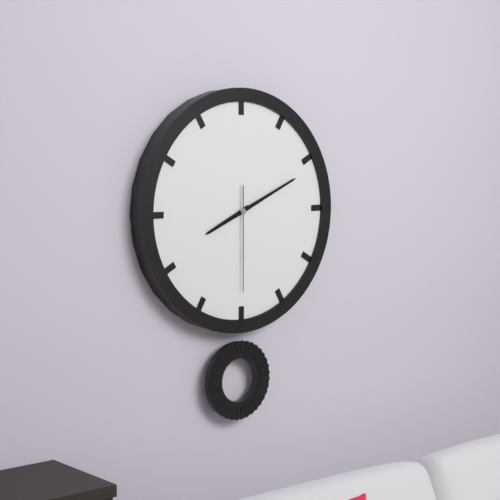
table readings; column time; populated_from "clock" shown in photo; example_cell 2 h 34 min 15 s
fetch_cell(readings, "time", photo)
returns 8 h 11 min 30 s
